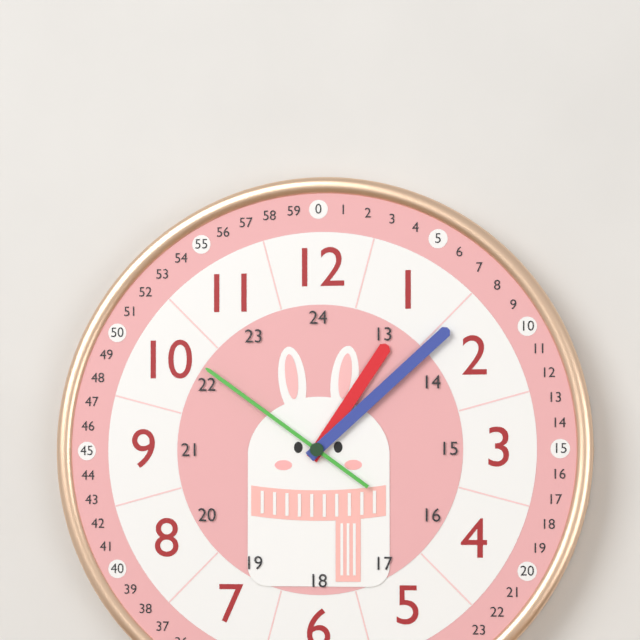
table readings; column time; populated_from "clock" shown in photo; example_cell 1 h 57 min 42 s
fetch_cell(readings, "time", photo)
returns 1 h 08 min 51 s
